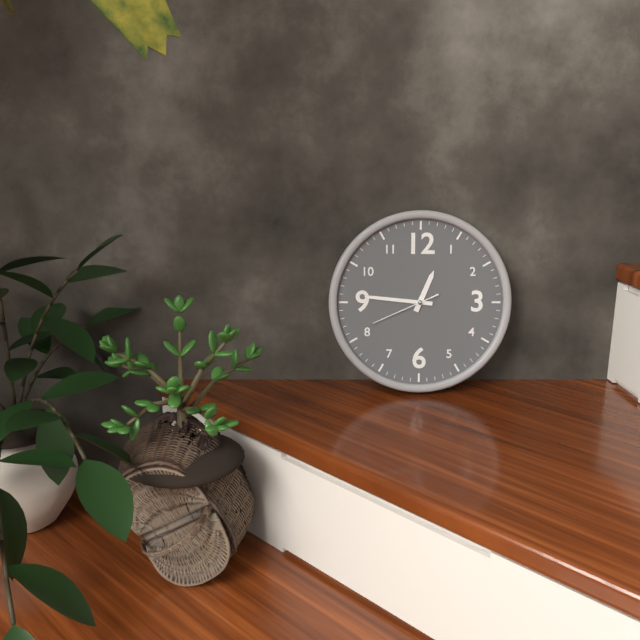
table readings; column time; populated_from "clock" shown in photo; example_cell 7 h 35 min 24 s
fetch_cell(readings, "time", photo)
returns 12 h 46 min 41 s
